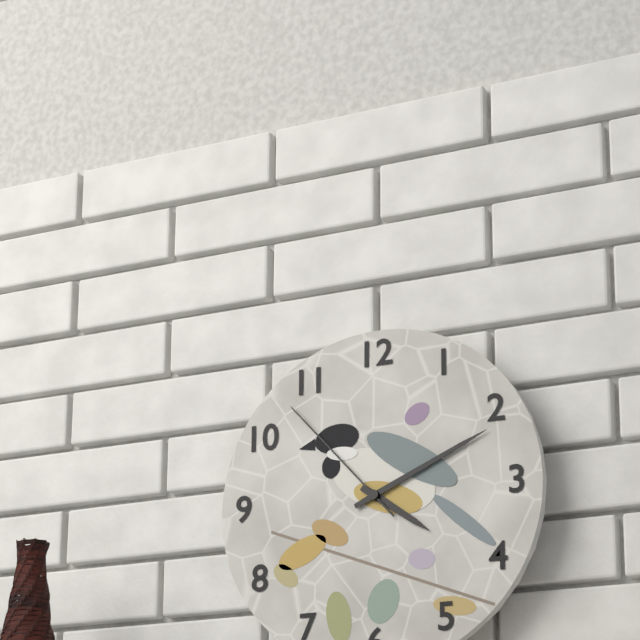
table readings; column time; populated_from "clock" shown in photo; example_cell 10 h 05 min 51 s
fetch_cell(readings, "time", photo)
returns 4 h 11 min 53 s
